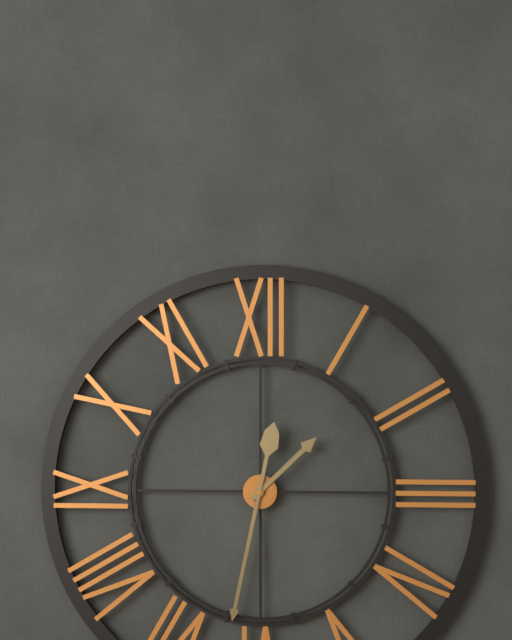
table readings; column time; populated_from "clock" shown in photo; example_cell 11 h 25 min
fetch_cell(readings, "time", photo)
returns 1 h 32 min
